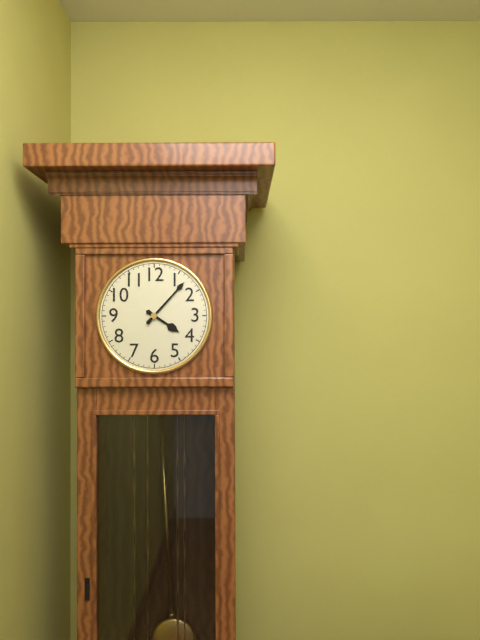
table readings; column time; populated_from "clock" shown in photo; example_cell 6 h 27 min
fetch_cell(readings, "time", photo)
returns 4 h 07 min
